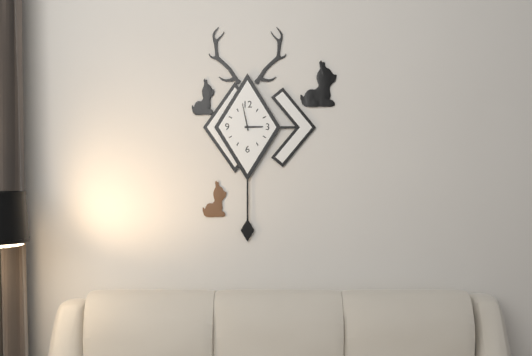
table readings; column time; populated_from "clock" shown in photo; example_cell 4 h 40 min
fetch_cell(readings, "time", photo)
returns 2 h 58 min
